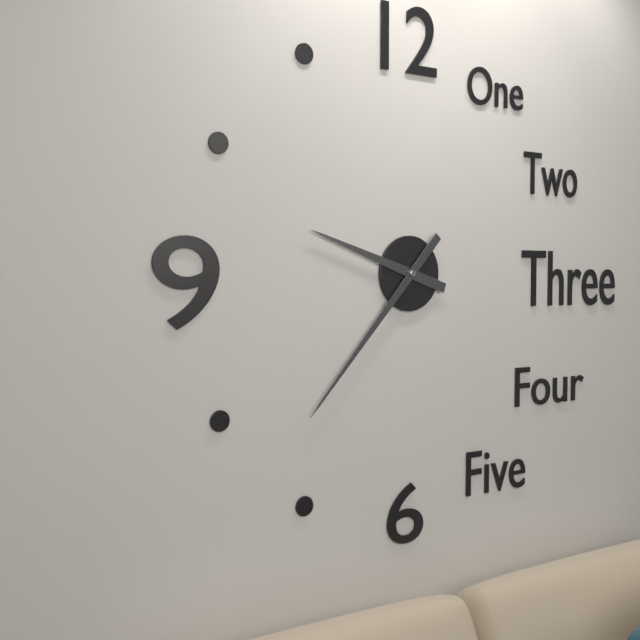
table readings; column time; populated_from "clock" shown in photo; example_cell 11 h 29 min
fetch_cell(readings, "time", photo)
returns 9 h 37 min
